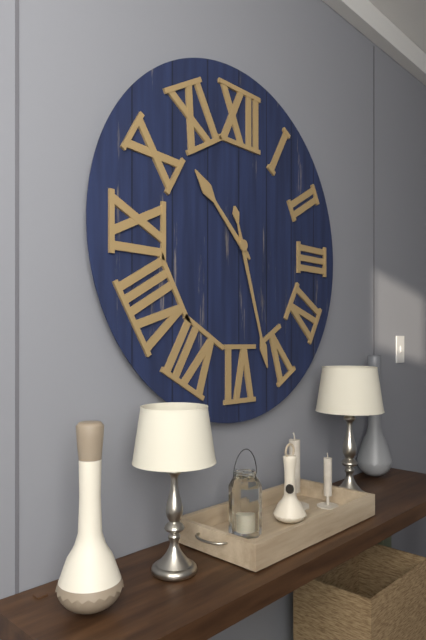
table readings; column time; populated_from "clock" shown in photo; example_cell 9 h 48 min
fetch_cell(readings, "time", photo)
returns 10 h 27 min
